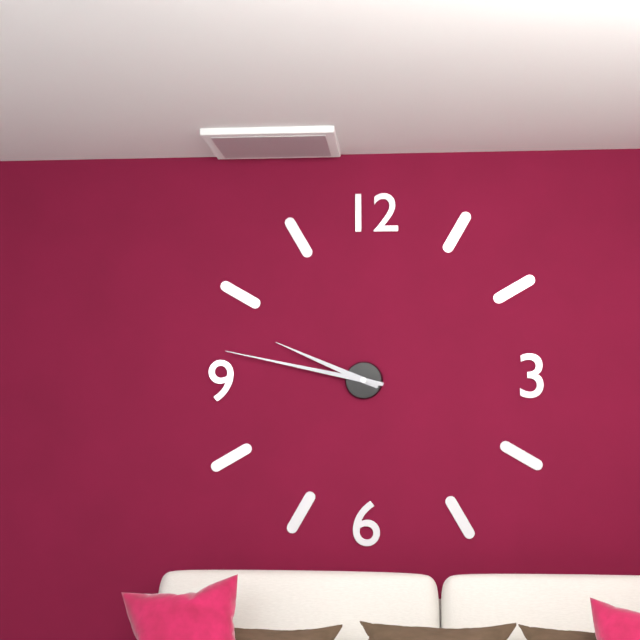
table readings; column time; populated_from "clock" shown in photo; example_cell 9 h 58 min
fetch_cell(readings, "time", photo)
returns 9 h 47 min
